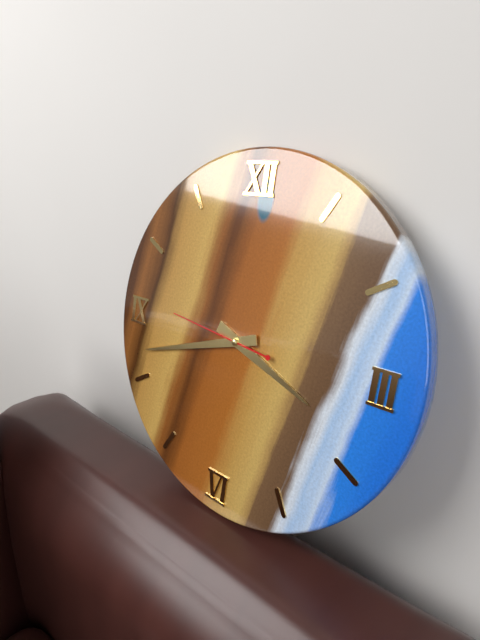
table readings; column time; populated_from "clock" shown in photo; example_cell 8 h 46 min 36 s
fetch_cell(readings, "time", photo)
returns 3 h 42 min 46 s
